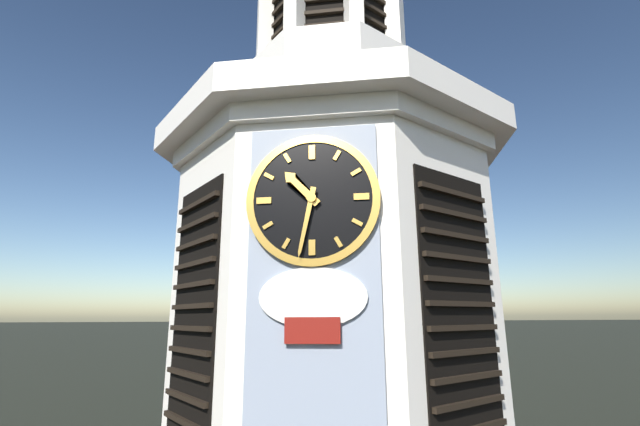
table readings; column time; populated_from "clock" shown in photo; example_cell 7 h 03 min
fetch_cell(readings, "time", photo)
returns 10 h 32 min
